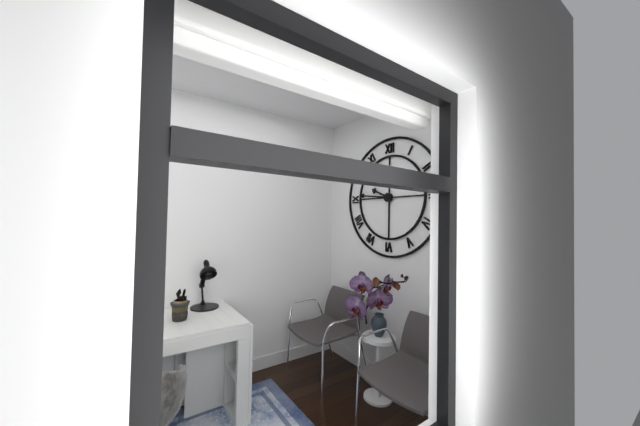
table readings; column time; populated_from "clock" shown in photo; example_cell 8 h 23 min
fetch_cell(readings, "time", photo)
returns 9 h 46 min
